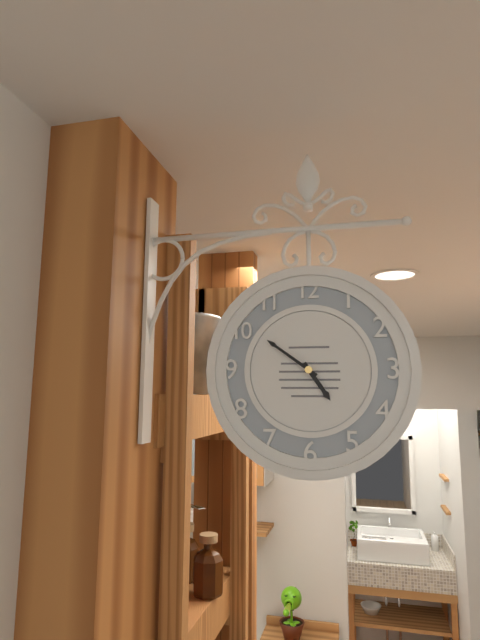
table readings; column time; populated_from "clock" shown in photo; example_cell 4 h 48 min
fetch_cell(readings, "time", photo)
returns 4 h 51 min
